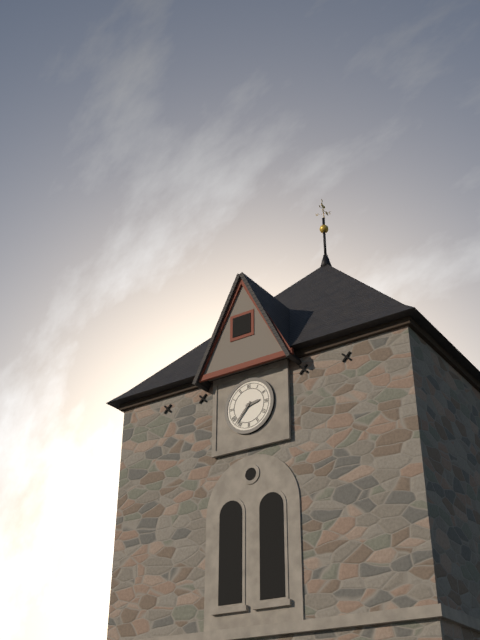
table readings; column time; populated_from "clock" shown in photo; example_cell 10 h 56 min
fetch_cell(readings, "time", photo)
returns 2 h 37 min
